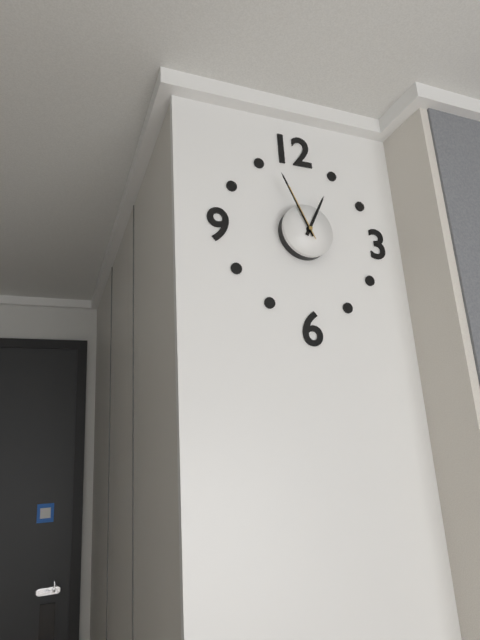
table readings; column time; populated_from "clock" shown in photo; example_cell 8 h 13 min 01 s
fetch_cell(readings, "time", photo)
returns 12 h 56 min 56 s
